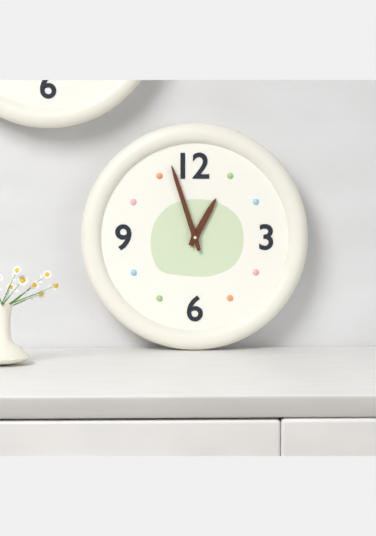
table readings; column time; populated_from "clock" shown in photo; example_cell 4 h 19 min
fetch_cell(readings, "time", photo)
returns 12 h 57 min
